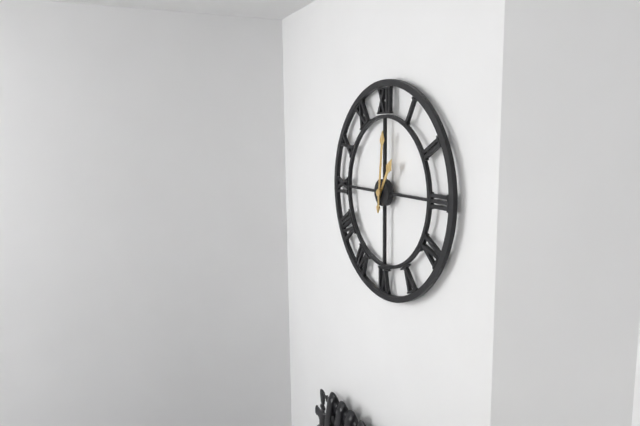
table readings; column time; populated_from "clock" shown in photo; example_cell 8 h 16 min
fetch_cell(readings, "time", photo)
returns 1 h 01 min
